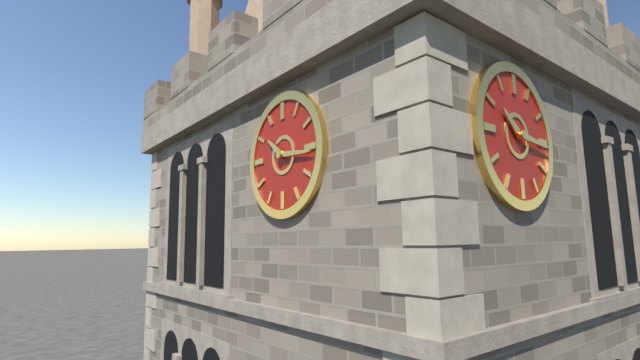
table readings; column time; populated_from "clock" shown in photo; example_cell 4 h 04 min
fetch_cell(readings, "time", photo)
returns 10 h 16 min
